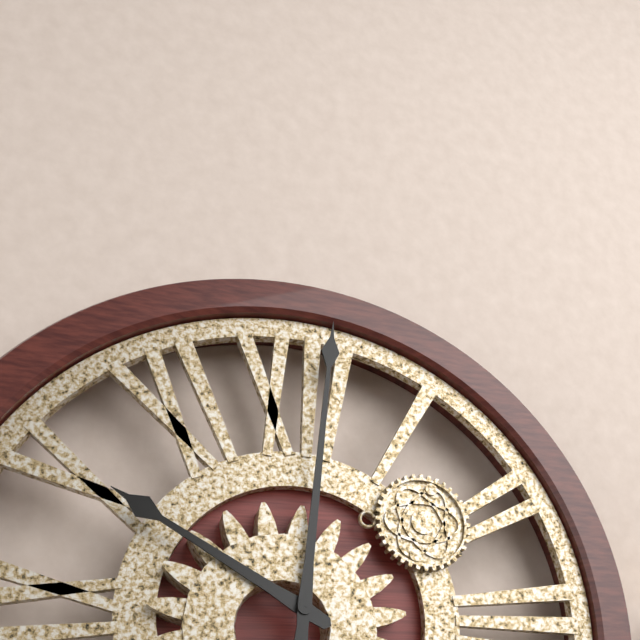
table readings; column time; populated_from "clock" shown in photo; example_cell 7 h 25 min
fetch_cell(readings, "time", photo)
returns 10 h 01 min
